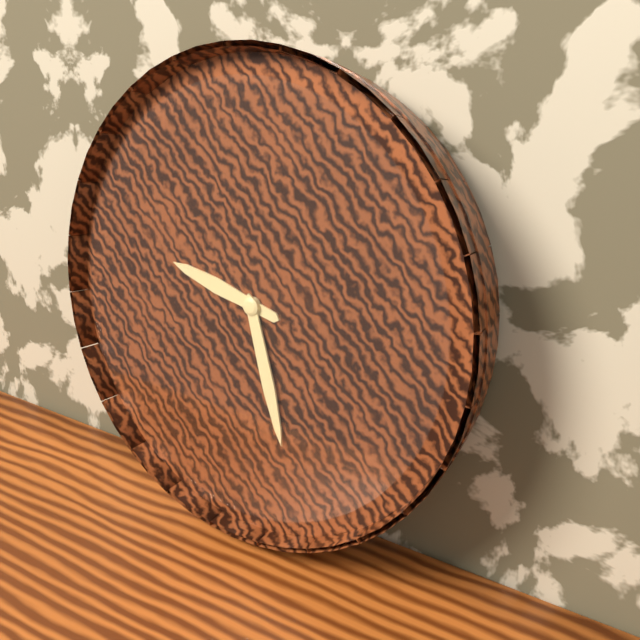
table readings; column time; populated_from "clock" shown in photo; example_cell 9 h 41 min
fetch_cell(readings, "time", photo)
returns 9 h 27 min
